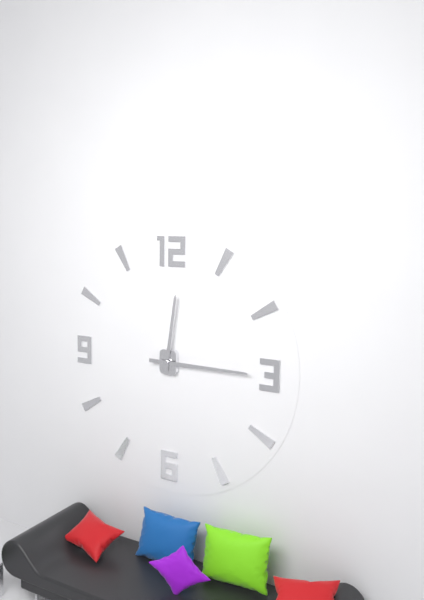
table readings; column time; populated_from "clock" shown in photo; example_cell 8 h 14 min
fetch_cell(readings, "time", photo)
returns 12 h 15 min
